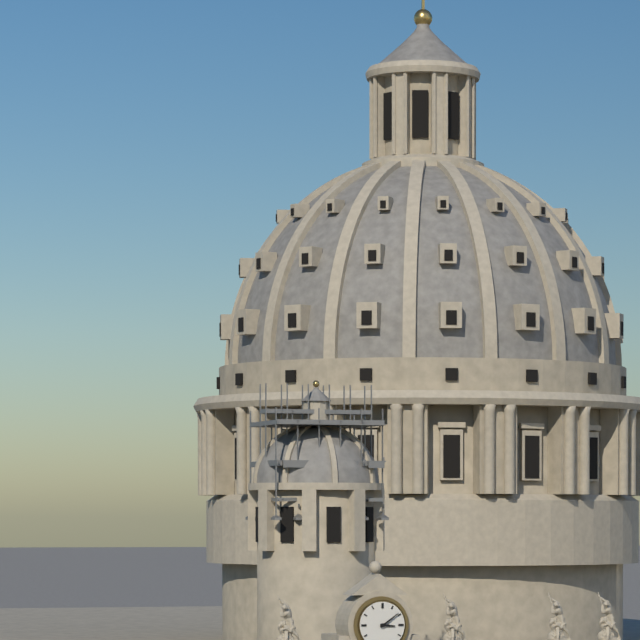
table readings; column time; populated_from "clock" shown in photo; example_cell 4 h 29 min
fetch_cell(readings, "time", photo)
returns 3 h 09 min
